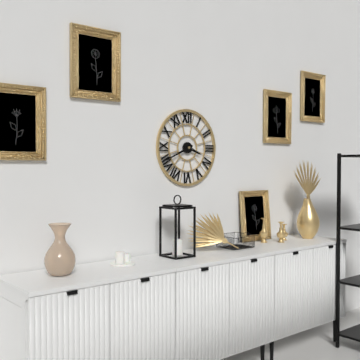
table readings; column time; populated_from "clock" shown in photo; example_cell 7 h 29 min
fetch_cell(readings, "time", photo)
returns 3 h 41 min
